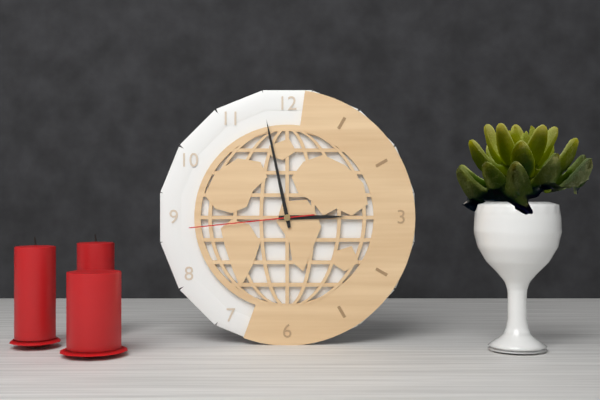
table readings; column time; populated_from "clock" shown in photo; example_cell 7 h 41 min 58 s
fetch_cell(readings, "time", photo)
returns 2 h 58 min 44 s
